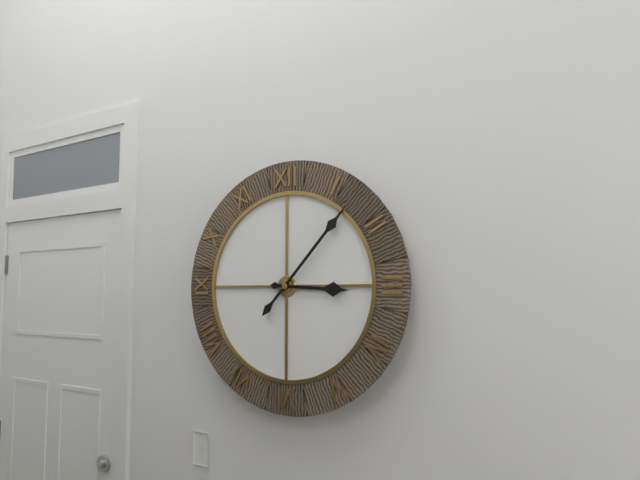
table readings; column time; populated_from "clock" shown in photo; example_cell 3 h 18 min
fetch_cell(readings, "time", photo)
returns 3 h 07 min
